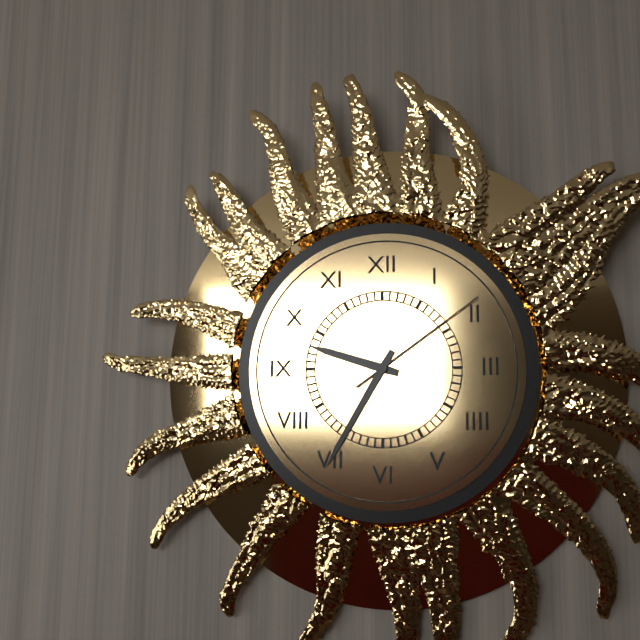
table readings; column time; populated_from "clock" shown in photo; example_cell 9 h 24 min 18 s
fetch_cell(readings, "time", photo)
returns 9 h 35 min 09 s
